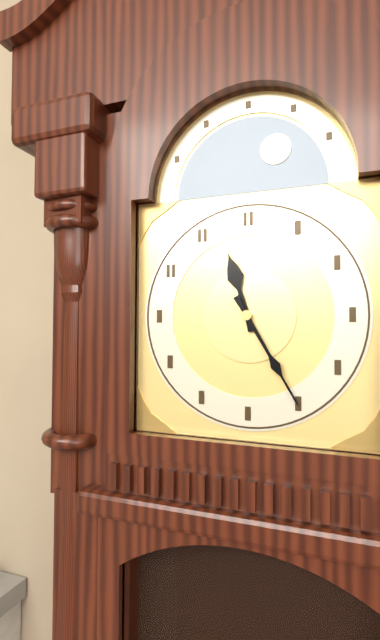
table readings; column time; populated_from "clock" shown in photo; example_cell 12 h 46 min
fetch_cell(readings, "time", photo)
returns 11 h 25 min
